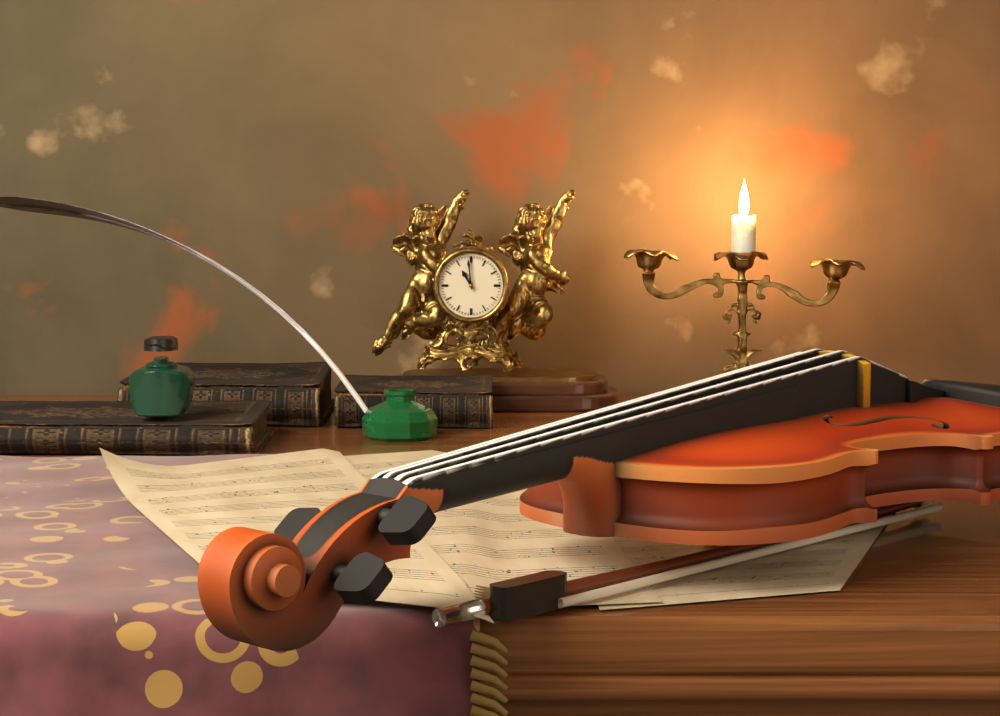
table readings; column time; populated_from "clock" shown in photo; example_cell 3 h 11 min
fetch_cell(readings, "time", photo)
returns 10 h 59 min
